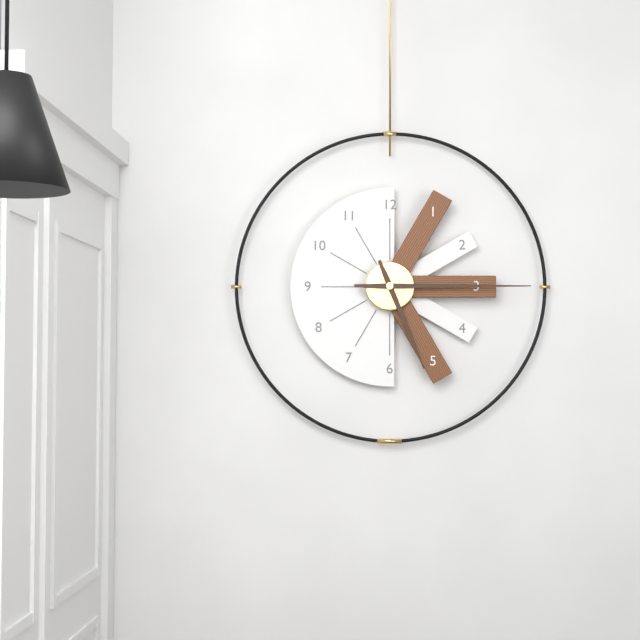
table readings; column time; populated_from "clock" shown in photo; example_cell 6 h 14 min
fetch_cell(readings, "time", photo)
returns 5 h 15 min
